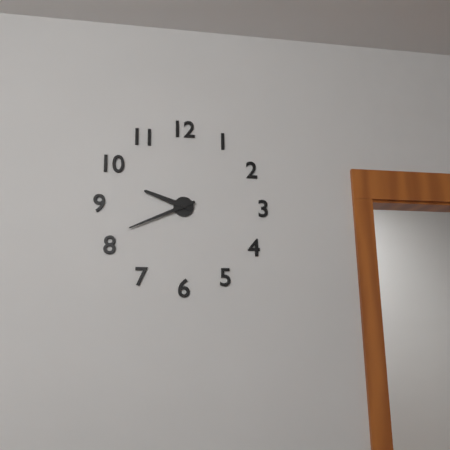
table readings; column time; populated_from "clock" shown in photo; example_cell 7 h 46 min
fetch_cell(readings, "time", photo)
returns 9 h 41 min
